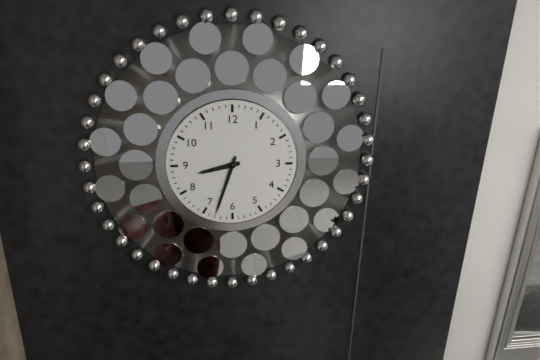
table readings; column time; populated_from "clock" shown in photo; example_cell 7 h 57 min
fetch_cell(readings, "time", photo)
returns 8 h 33 min
